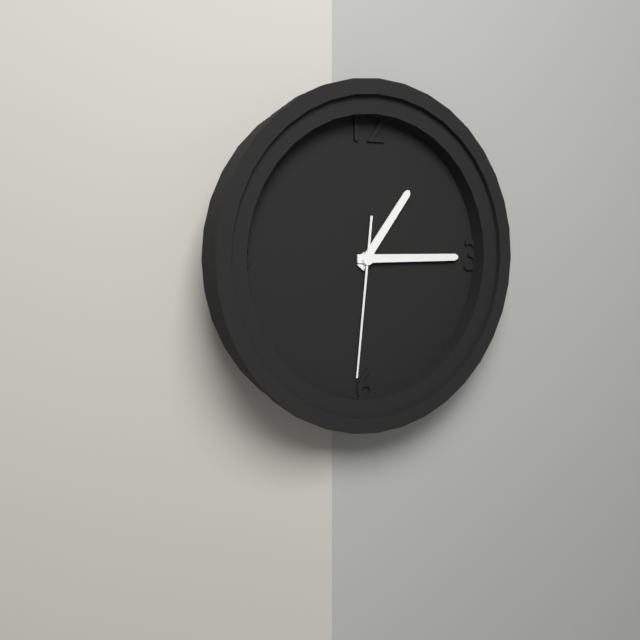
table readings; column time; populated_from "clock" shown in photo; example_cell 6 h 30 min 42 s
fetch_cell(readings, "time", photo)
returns 1 h 15 min 31 s
